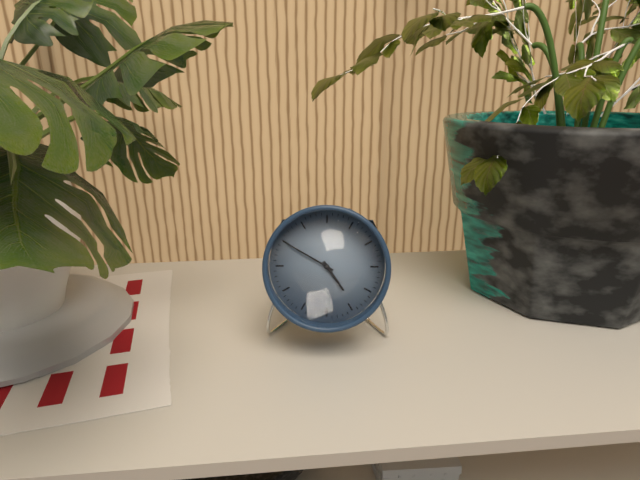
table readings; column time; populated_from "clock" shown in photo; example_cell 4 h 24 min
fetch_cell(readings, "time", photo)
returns 4 h 50 min
